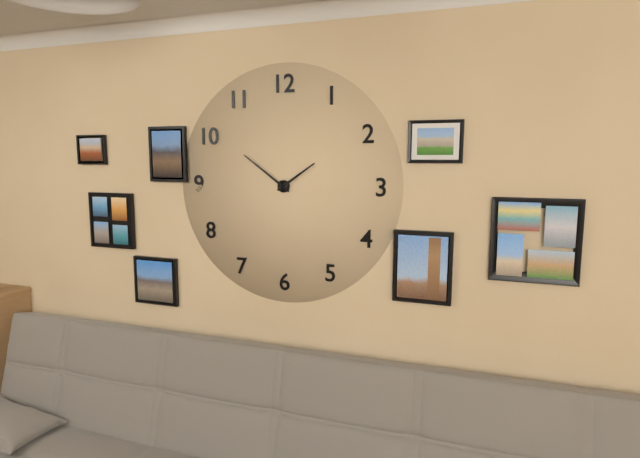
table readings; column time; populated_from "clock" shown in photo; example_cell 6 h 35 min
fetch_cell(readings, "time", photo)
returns 1 h 51 min
